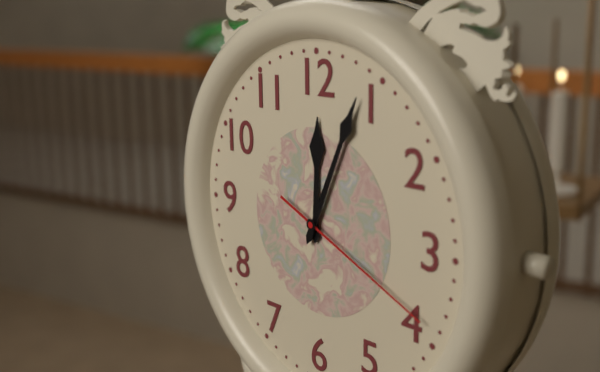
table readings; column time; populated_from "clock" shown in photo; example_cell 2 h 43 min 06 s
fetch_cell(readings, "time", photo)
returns 12 h 04 min 19 s
